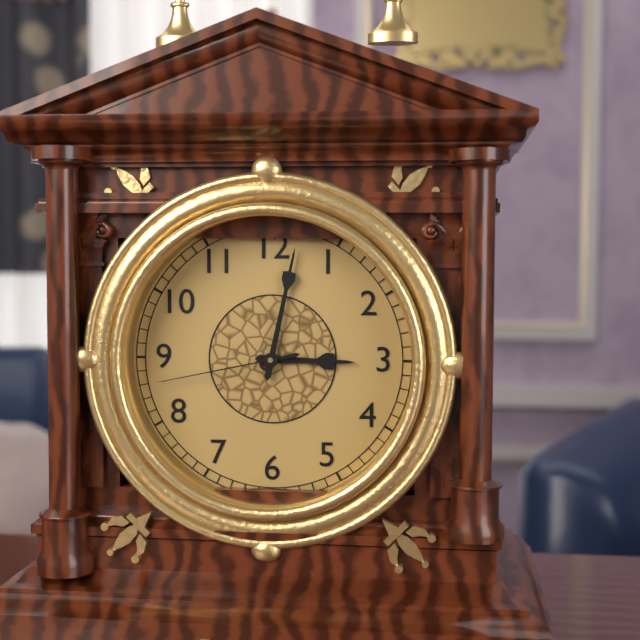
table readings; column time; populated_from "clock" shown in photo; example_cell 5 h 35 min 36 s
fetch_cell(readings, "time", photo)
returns 3 h 02 min 43 s
